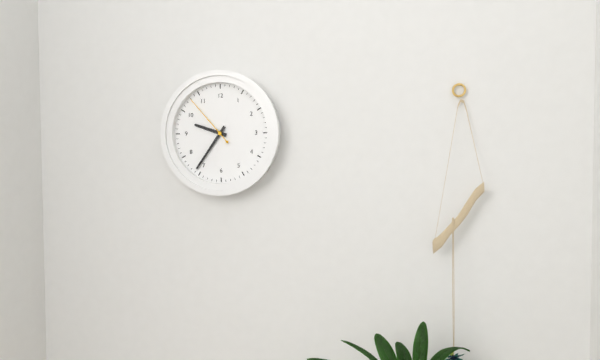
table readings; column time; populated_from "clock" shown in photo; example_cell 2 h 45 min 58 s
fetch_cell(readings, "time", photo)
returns 9 h 36 min 53 s
